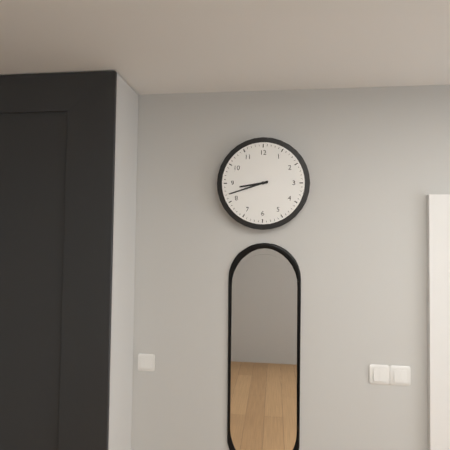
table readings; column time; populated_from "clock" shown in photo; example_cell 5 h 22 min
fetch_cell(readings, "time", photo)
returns 8 h 42 min
